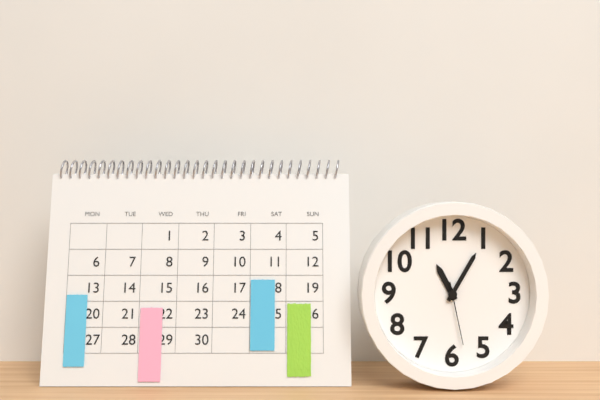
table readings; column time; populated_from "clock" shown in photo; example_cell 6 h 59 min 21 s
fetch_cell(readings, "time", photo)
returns 11 h 05 min 28 s
